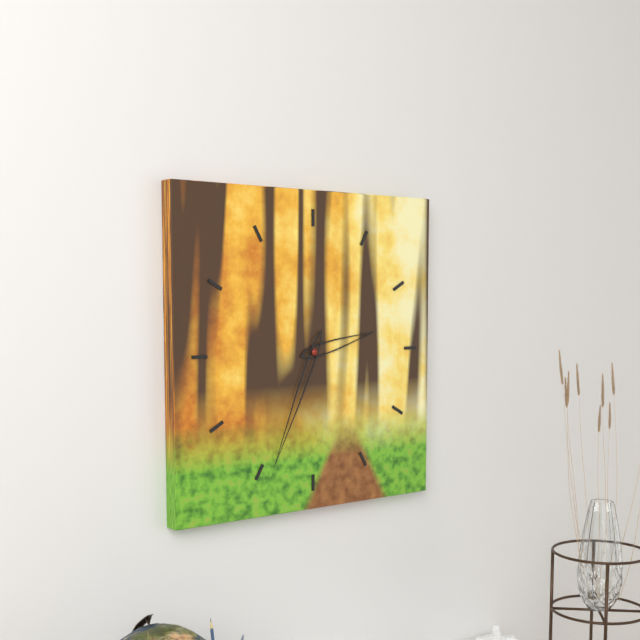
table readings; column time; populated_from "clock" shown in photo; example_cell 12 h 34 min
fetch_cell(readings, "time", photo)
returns 2 h 34 min
